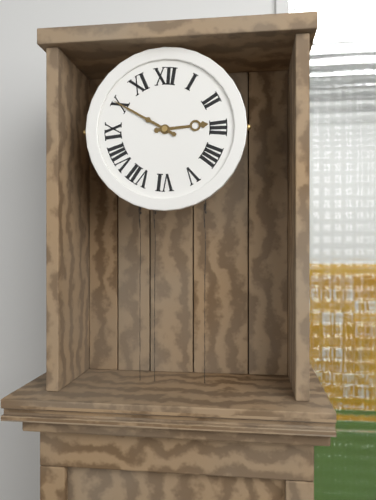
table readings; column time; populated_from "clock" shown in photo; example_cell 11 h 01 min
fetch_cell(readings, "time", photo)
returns 2 h 50 min
